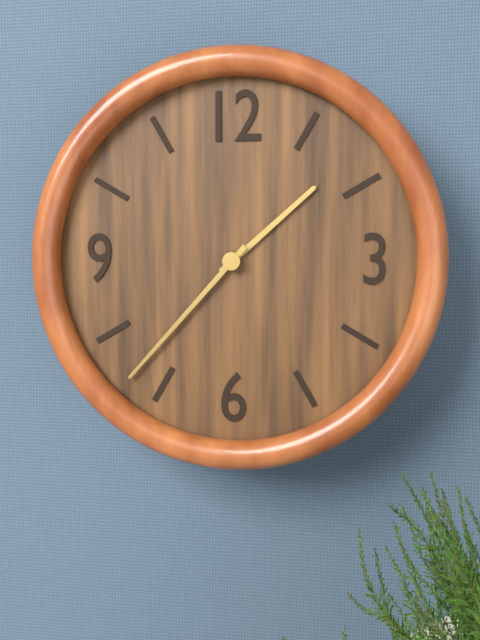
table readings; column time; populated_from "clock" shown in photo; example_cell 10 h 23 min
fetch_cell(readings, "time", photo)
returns 1 h 37 min
